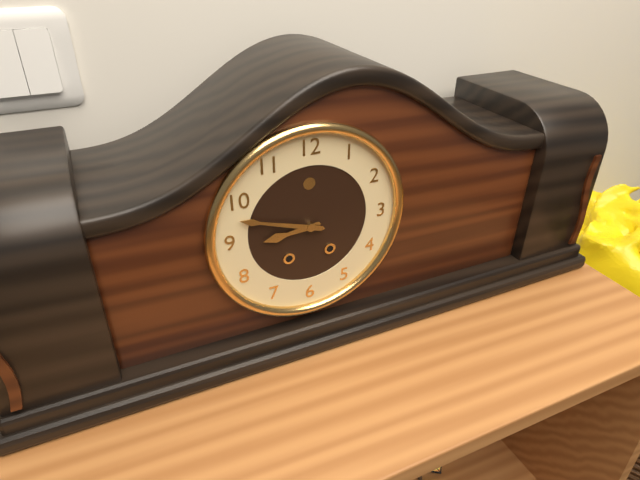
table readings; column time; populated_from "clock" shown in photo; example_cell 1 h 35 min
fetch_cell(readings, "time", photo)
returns 8 h 48 min
